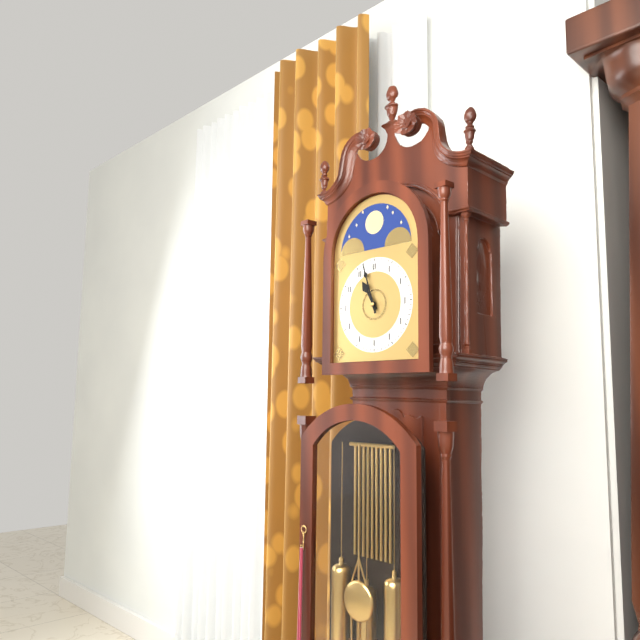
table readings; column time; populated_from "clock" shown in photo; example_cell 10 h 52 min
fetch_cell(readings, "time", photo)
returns 10 h 57 min
